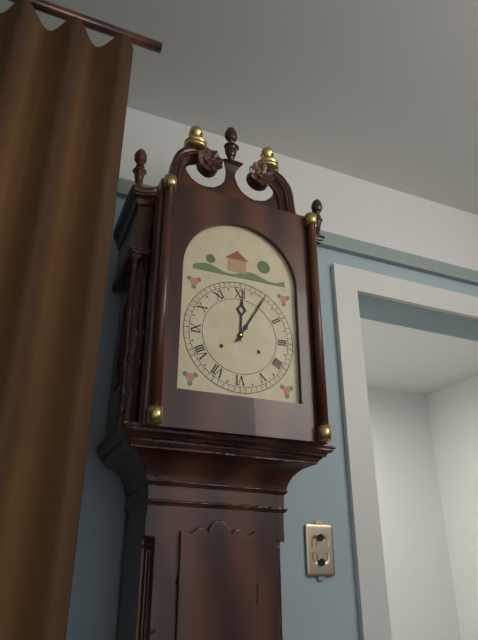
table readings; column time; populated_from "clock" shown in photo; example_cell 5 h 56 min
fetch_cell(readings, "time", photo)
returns 12 h 05 min
